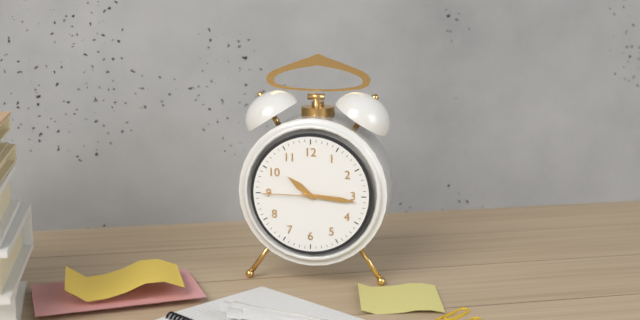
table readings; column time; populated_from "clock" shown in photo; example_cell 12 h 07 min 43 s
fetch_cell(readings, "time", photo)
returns 10 h 16 min 45 s
